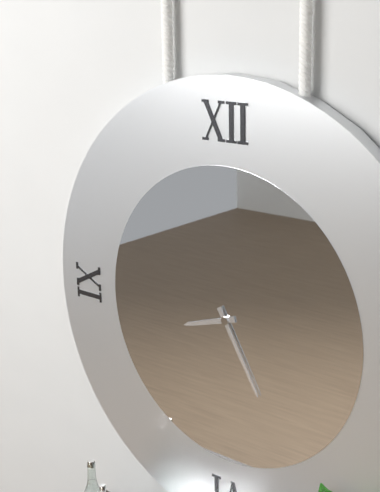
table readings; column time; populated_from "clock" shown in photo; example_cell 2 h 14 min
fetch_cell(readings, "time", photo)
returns 8 h 25 min
